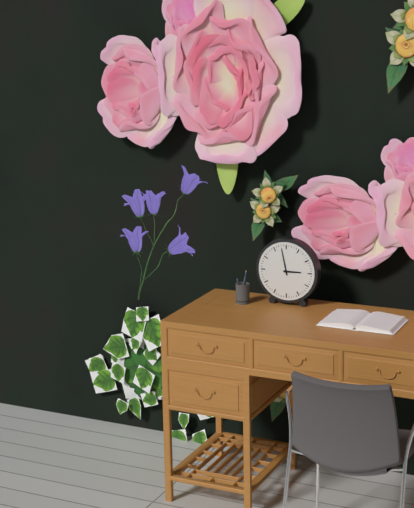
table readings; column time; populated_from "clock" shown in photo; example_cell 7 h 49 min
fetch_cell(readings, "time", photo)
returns 2 h 58 min
